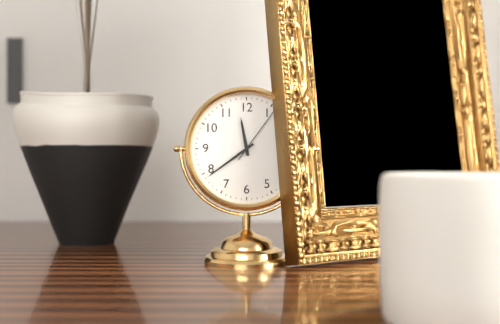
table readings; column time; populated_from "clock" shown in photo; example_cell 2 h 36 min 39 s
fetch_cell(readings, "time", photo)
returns 11 h 39 min 06 s
